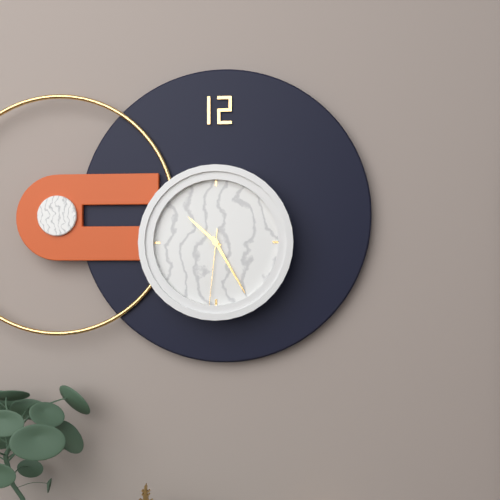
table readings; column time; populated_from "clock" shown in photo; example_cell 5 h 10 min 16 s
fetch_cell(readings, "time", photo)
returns 10 h 25 min 31 s
